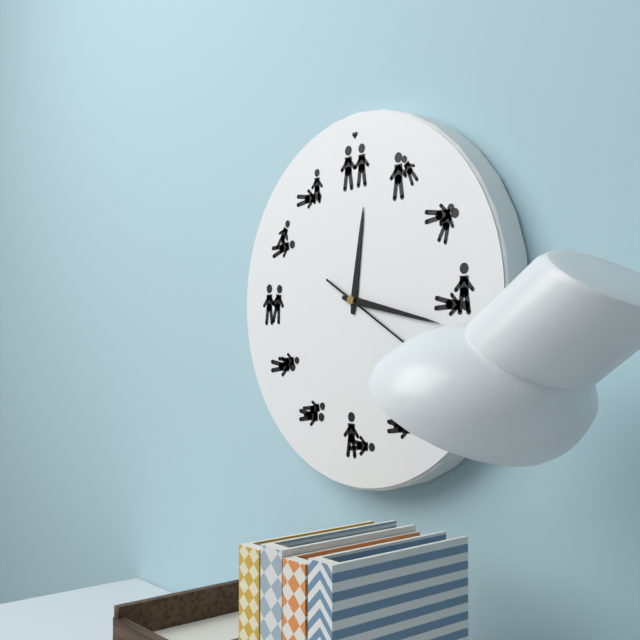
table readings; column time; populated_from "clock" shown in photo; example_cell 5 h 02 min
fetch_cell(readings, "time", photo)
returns 12 h 17 min
